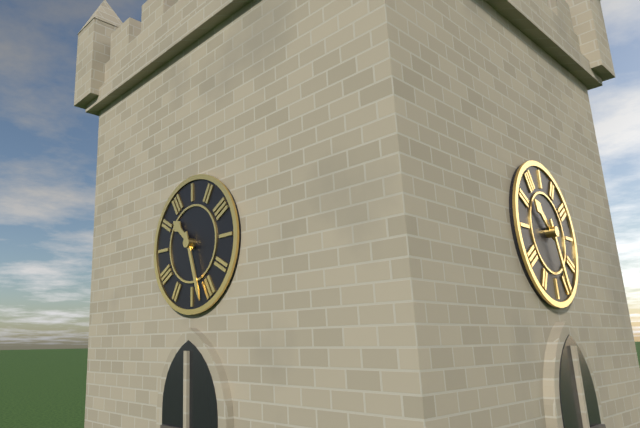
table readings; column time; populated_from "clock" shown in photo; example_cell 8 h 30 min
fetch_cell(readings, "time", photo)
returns 10 h 27 min
